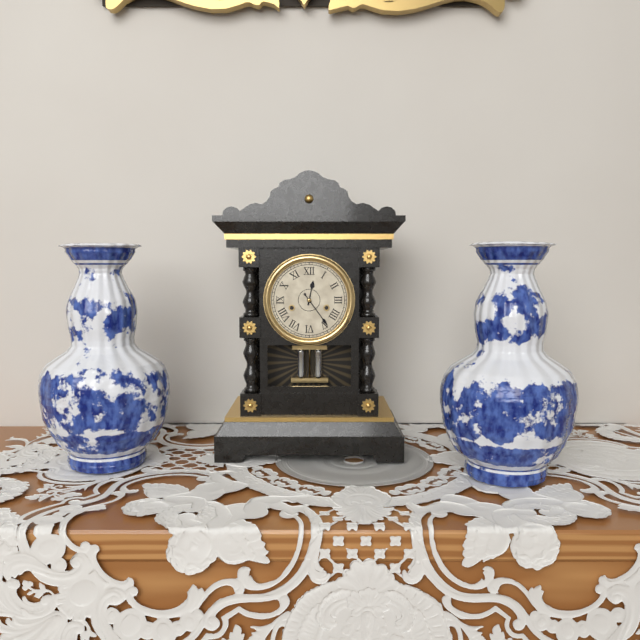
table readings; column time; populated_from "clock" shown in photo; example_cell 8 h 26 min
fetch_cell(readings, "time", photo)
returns 12 h 24 min
